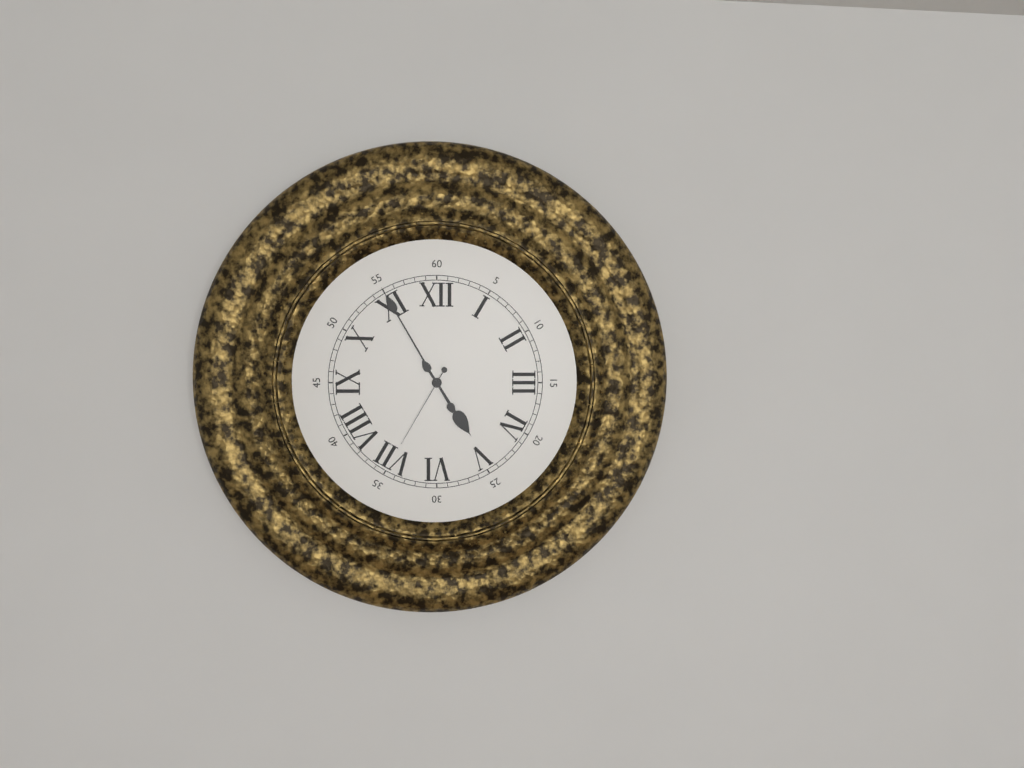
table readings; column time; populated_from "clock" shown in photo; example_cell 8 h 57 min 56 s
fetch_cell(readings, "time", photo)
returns 4 h 55 min 35 s
